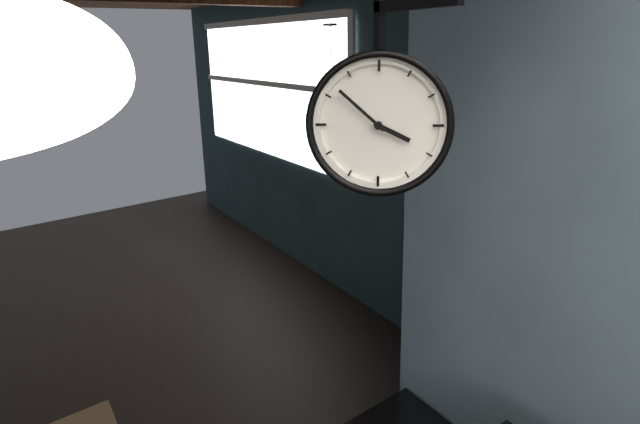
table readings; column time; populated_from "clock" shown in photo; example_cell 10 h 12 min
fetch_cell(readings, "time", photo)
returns 3 h 52 min
